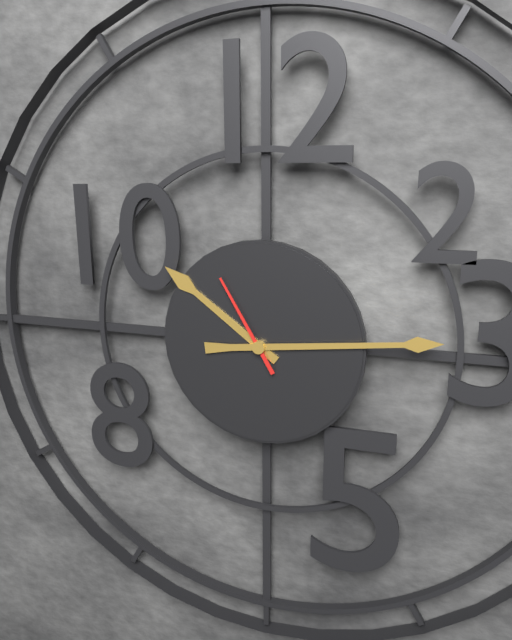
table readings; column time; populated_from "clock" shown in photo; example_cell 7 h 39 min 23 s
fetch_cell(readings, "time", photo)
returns 10 h 14 min 55 s
